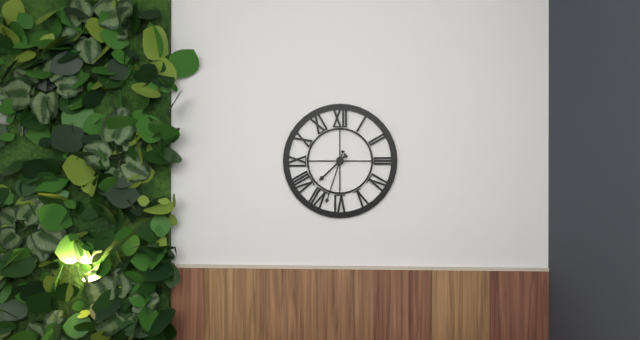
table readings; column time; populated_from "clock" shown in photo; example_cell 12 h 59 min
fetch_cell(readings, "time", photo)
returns 7 h 33 min
